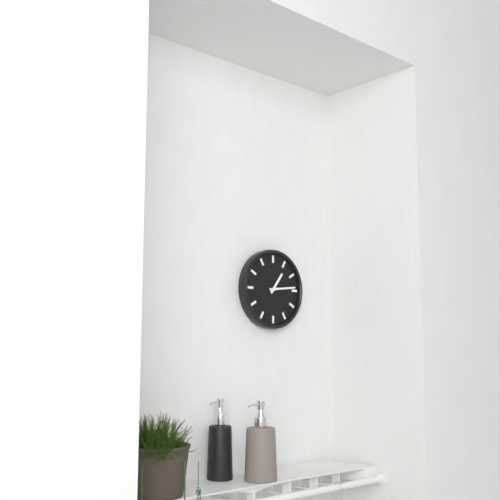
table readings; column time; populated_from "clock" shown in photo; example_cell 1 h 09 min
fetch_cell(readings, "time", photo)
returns 1 h 14 min
